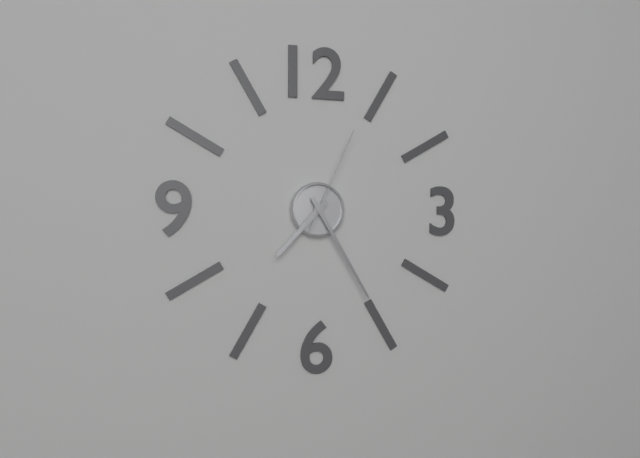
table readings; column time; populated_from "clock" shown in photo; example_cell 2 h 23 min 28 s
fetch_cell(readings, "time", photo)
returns 7 h 25 min 04 s
